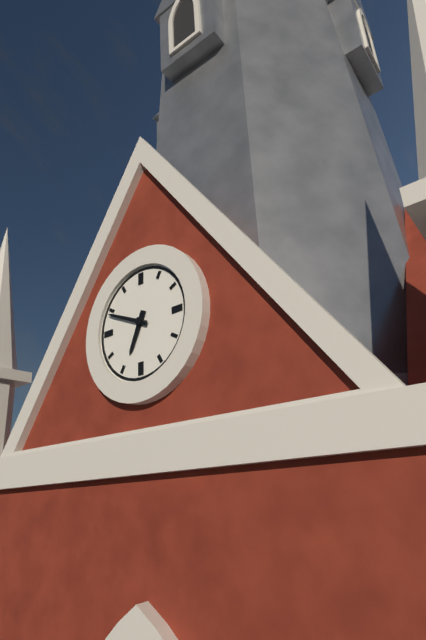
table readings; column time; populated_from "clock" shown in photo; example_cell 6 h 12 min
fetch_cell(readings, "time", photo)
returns 6 h 49 min
